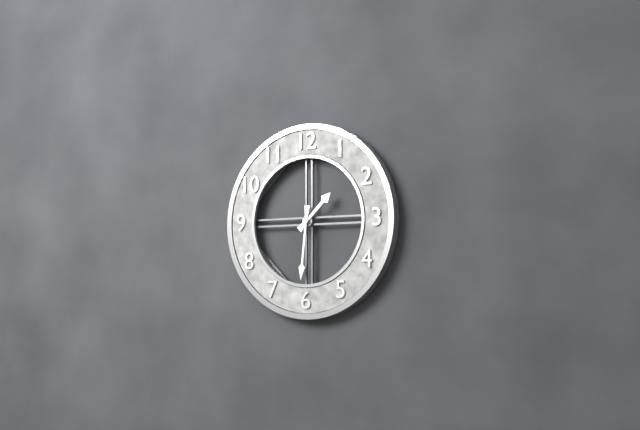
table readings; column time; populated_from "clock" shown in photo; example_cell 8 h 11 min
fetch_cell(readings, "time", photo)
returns 1 h 31 min
